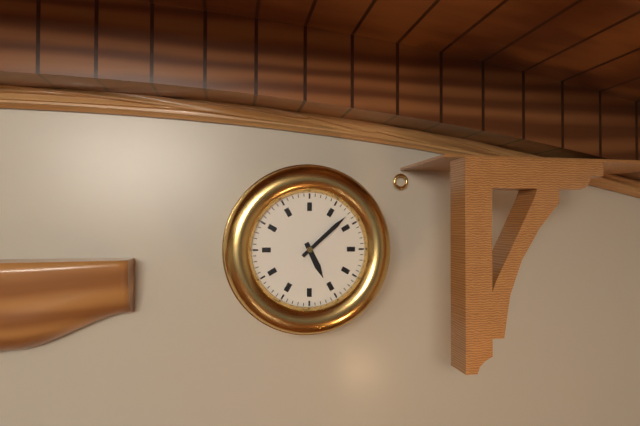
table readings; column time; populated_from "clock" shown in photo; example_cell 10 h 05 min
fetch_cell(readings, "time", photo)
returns 5 h 08 min
